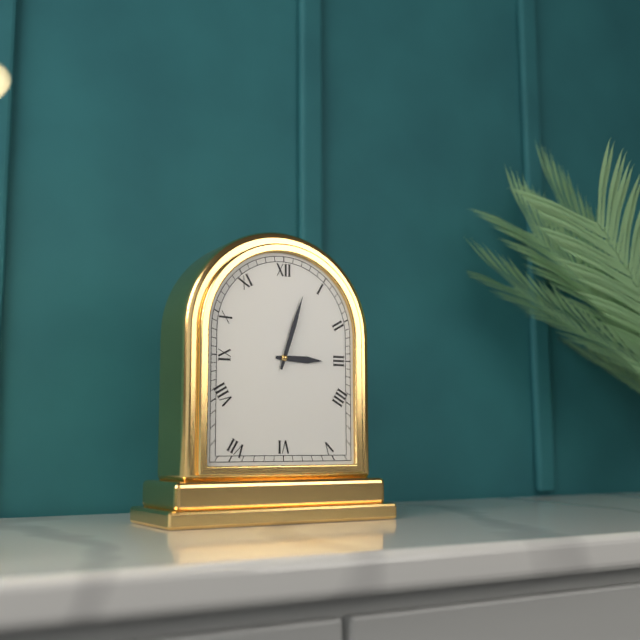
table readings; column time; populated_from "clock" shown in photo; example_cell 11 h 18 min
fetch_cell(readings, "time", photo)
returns 3 h 03 min
